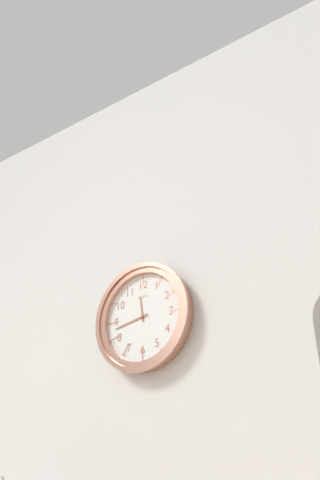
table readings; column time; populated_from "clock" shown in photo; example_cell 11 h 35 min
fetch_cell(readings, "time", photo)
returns 11 h 43 min
